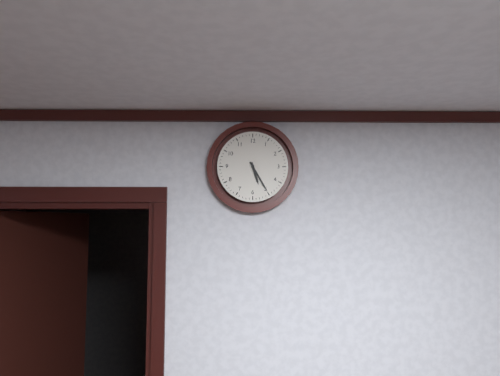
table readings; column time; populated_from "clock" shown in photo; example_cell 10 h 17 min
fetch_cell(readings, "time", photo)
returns 5 h 25 min
